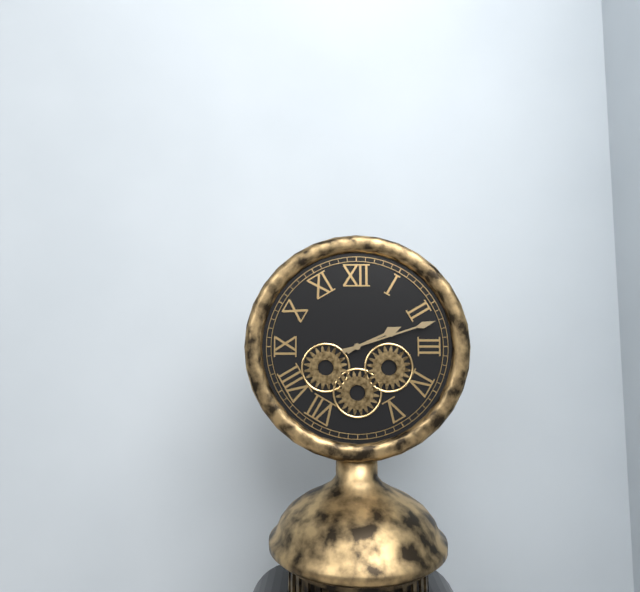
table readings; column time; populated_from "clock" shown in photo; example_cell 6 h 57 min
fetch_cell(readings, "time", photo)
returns 2 h 12 min
